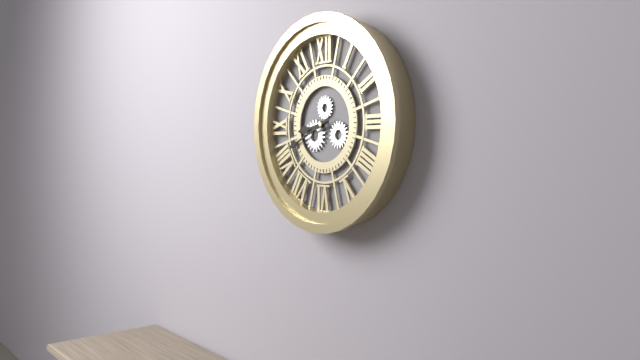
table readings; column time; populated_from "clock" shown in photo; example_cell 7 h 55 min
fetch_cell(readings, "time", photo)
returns 8 h 41 min
